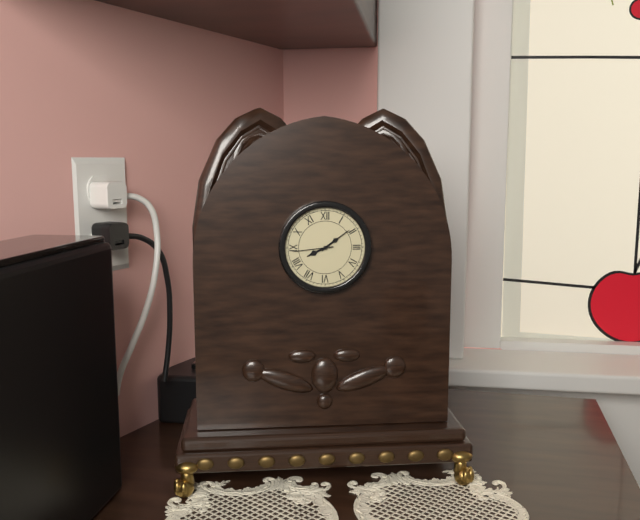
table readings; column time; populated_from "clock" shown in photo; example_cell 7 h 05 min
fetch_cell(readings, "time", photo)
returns 8 h 09 min
